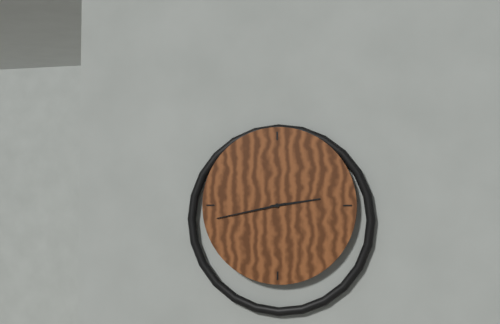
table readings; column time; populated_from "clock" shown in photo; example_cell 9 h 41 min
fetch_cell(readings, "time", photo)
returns 2 h 43 min
